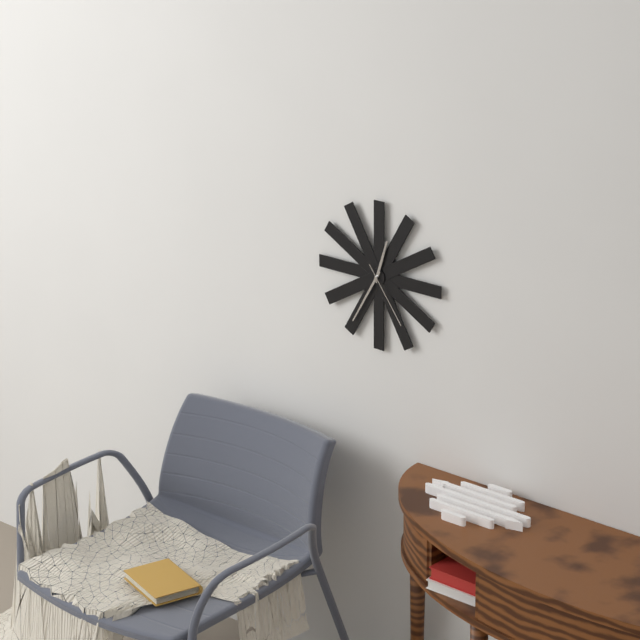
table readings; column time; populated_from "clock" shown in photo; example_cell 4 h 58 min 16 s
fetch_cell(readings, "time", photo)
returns 12 h 35 min 24 s
